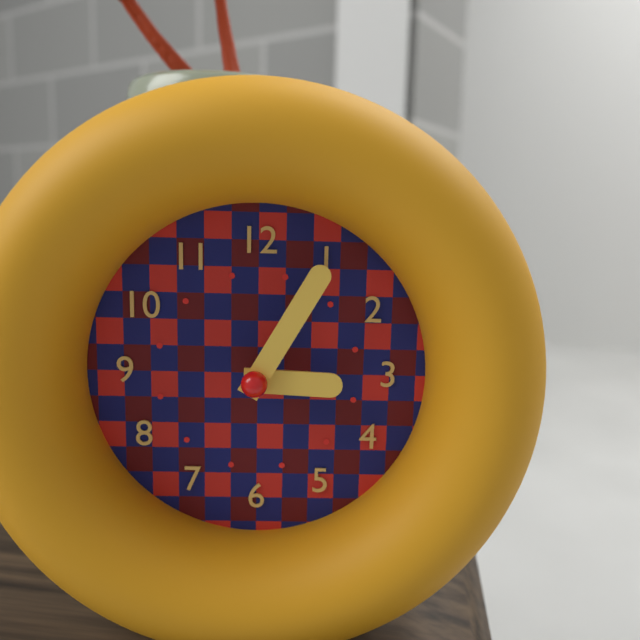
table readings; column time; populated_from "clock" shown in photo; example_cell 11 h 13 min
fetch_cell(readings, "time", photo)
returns 3 h 05 min
